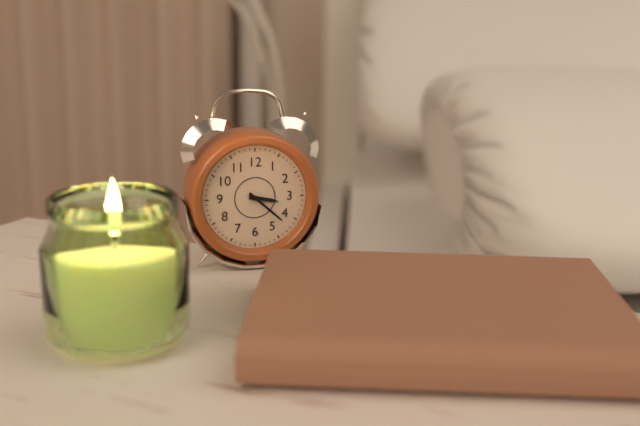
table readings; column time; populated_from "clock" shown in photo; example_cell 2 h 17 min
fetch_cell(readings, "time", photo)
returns 3 h 22 min
